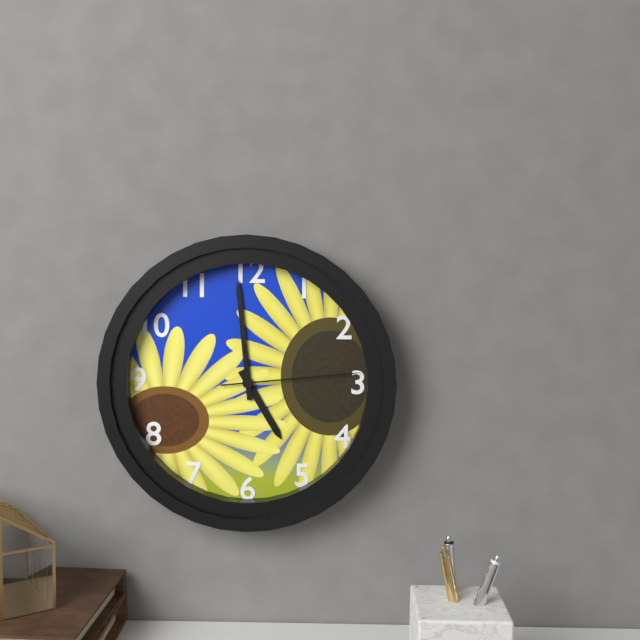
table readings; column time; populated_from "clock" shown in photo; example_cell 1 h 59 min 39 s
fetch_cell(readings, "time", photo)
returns 4 h 59 min 14 s
